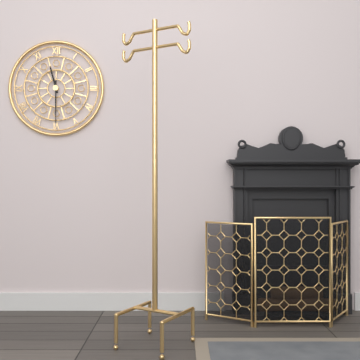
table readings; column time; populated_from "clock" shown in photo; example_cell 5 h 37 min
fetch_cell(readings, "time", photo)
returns 11 h 30 min
